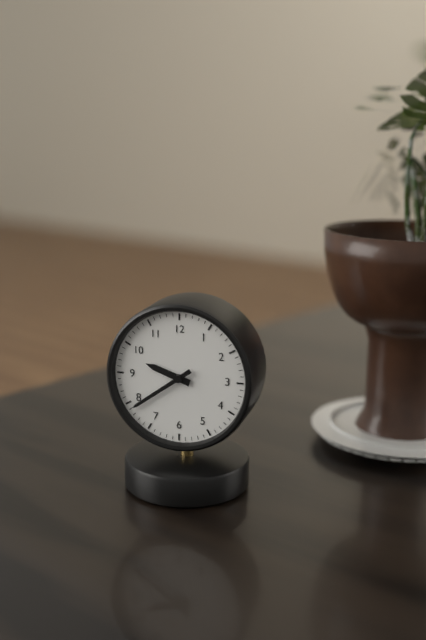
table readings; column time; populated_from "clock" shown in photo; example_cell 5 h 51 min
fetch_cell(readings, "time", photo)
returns 9 h 39 min
